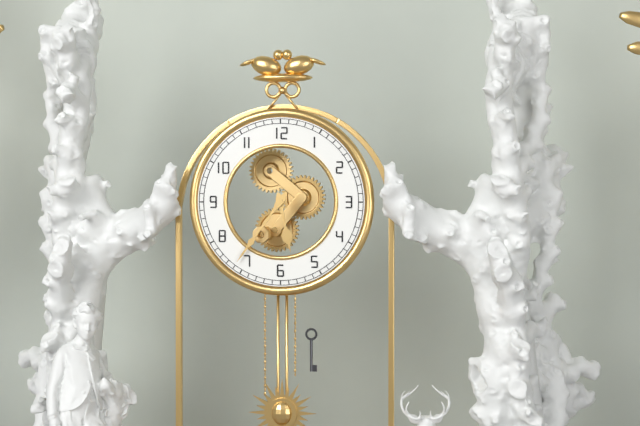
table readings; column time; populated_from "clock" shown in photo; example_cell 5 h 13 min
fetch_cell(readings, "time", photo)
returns 5 h 36 min
